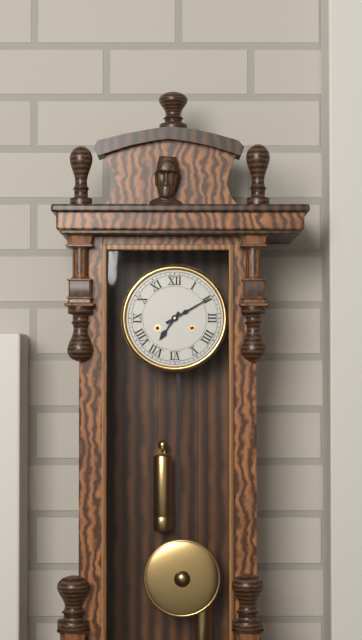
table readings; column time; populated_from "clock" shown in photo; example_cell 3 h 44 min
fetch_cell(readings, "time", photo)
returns 7 h 10 min
